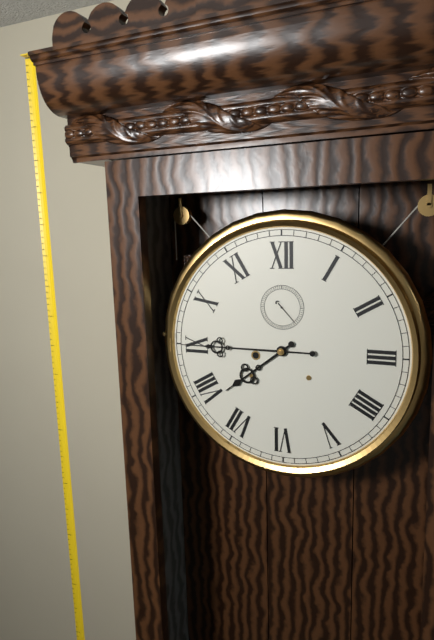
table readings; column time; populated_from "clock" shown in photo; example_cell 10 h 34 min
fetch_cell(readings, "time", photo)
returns 7 h 45 min
